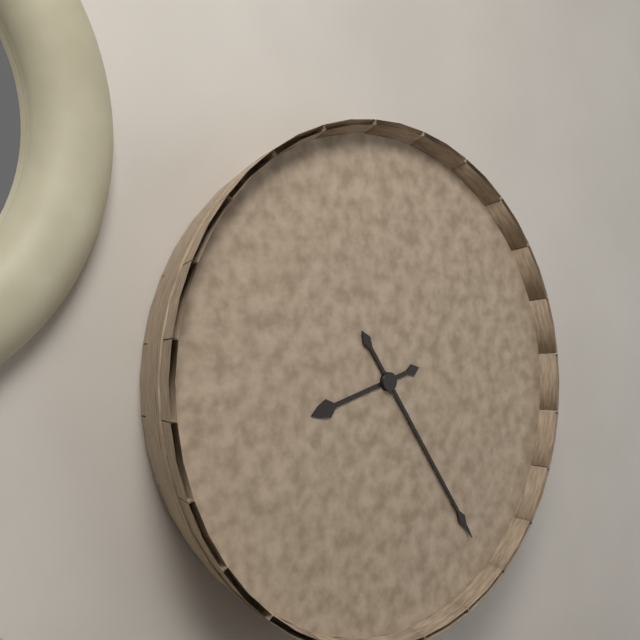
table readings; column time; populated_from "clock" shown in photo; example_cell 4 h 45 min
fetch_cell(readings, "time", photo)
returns 8 h 24 min
